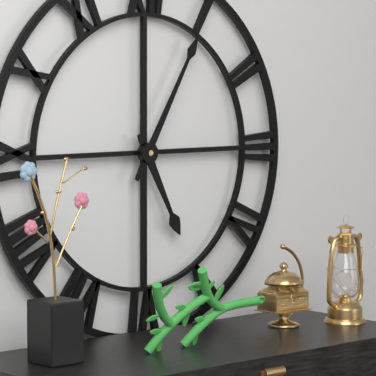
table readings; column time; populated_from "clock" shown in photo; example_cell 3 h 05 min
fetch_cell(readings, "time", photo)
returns 5 h 05 min
